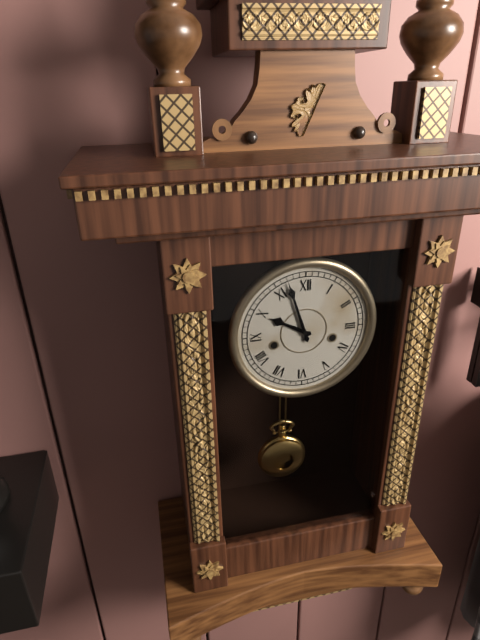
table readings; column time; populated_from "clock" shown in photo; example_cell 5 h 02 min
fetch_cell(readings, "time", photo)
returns 9 h 57 min
